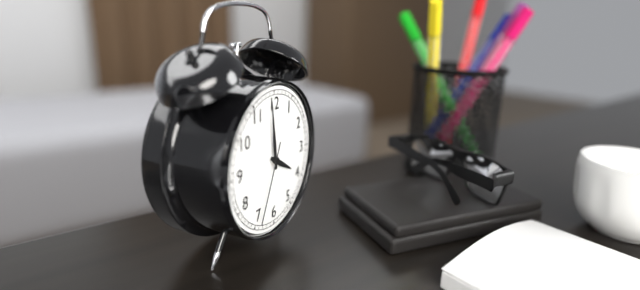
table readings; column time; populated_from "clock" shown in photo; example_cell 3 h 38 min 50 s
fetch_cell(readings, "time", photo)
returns 3 h 59 min 34 s
